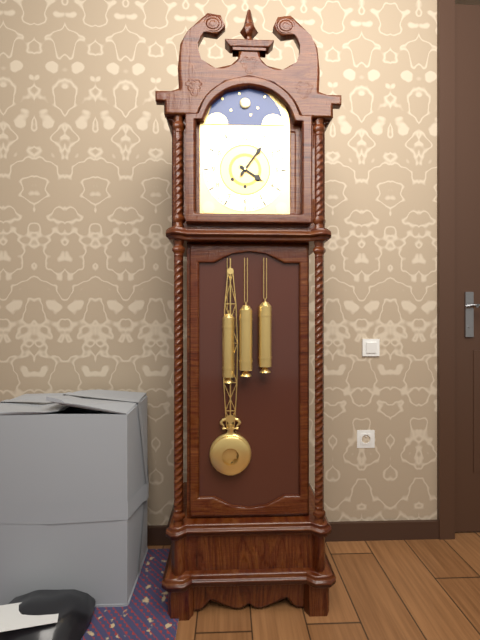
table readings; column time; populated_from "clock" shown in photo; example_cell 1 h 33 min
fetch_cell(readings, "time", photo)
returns 4 h 06 min
